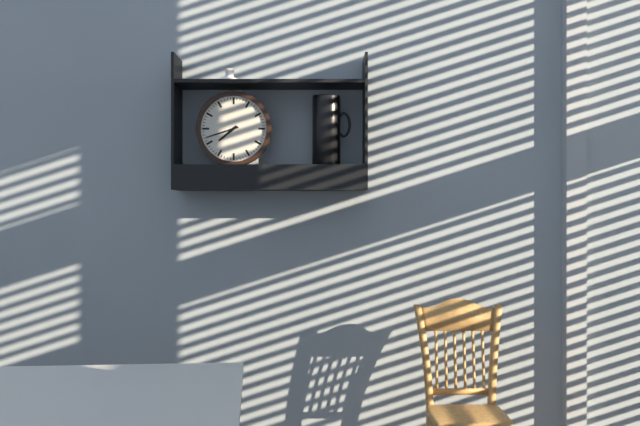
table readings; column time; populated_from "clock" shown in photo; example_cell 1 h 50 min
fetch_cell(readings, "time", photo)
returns 7 h 42 min
